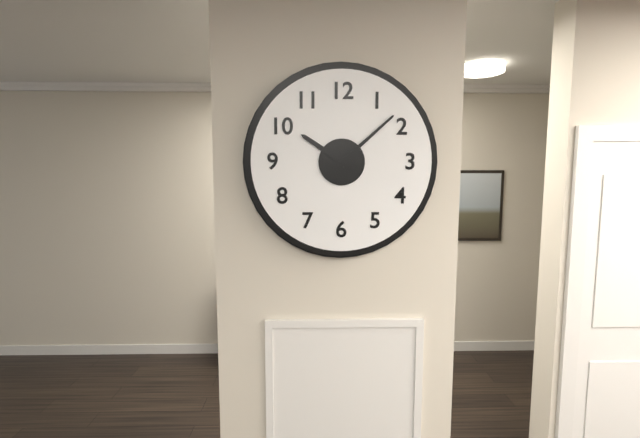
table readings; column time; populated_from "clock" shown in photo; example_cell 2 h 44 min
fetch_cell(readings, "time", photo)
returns 10 h 08 min
